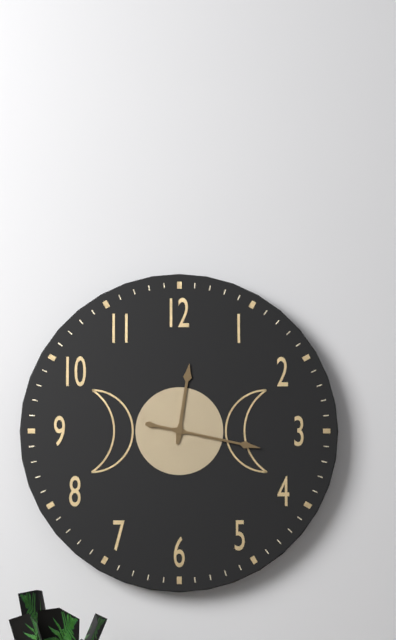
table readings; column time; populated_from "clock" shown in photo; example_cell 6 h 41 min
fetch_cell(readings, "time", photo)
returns 12 h 17 min
